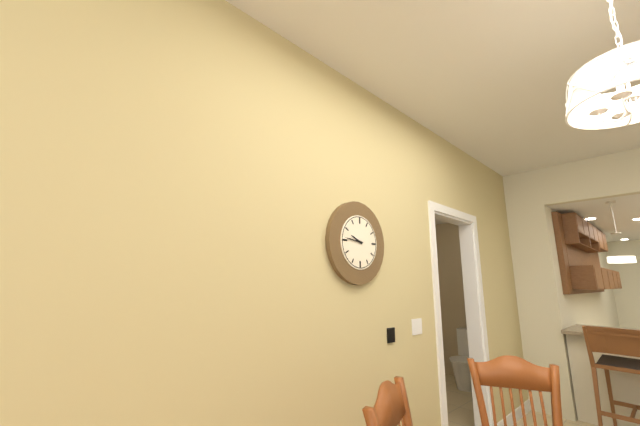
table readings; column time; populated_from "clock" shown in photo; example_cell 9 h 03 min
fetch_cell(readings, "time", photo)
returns 9 h 46 min
